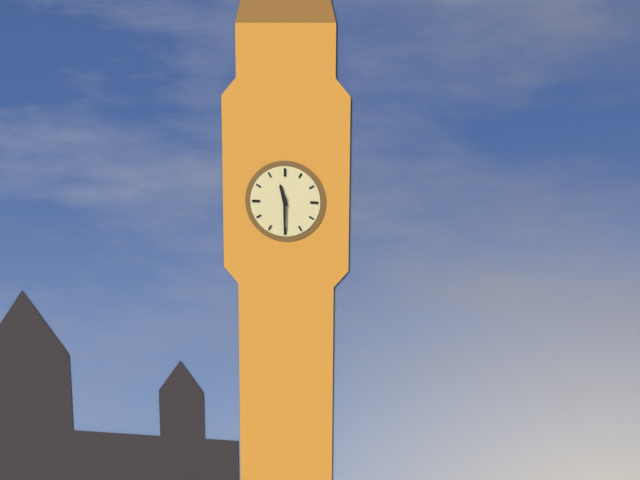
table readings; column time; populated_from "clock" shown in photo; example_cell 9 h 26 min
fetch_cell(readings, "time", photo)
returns 11 h 30 min
